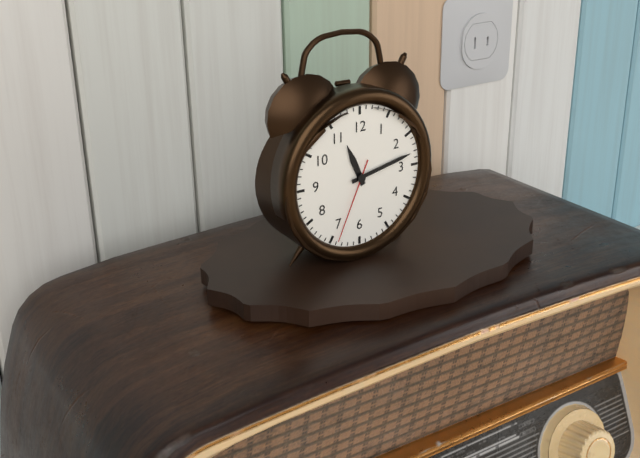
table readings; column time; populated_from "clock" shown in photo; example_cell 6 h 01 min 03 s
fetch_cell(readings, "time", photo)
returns 11 h 13 min 34 s
